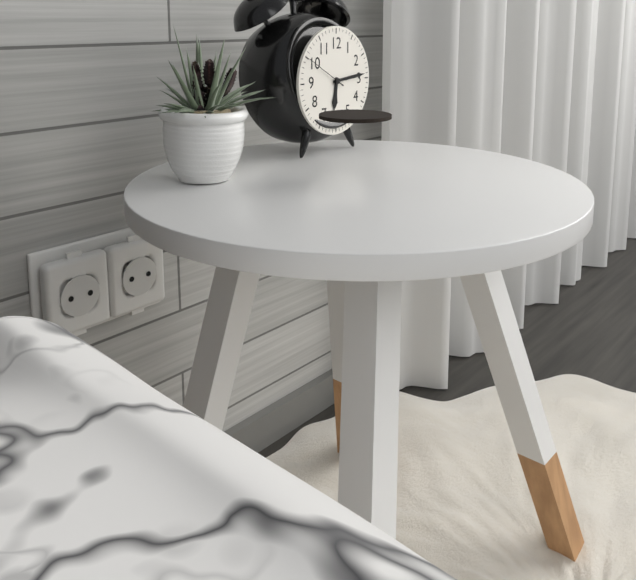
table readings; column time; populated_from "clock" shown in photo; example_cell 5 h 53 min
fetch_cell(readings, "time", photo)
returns 6 h 14 min
